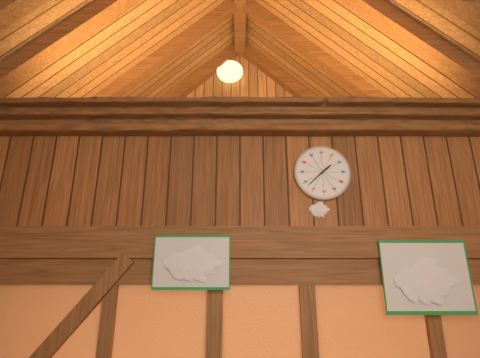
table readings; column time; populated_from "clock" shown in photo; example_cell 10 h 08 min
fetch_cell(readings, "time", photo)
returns 1 h 38 min
